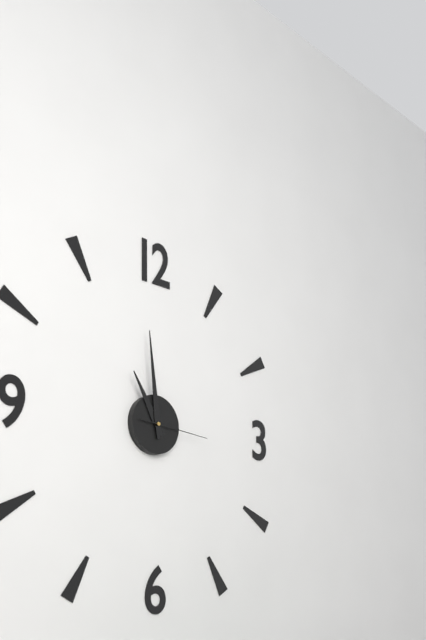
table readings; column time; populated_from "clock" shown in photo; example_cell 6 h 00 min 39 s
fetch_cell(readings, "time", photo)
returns 10 h 59 min 16 s
